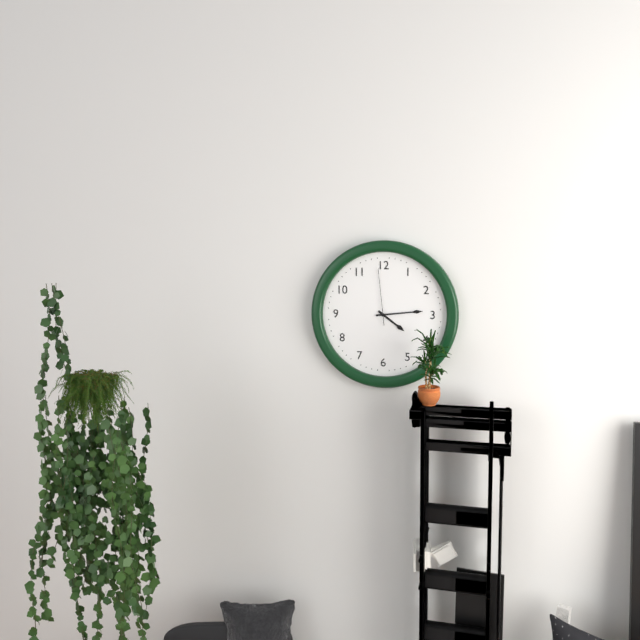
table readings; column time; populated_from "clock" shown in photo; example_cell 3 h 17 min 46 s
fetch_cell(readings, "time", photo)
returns 4 h 14 min 59 s
